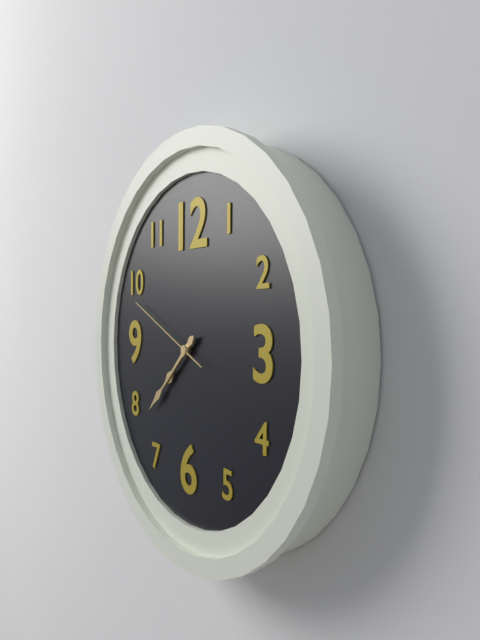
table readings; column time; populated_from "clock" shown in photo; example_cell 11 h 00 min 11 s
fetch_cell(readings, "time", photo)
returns 7 h 38 min 49 s
